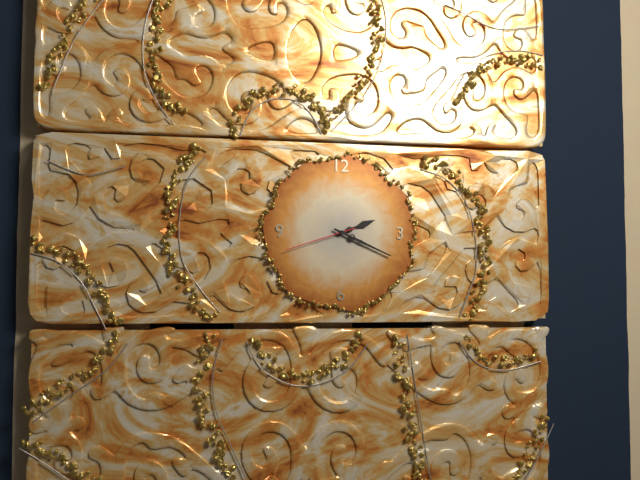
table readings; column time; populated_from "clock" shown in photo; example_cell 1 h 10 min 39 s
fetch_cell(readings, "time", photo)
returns 2 h 19 min 42 s
